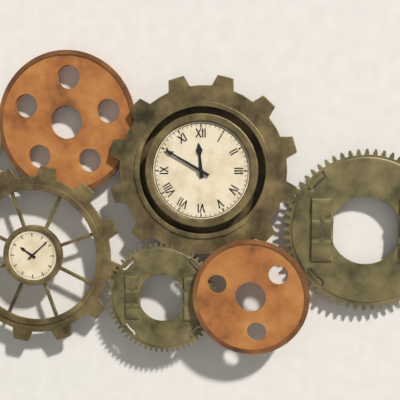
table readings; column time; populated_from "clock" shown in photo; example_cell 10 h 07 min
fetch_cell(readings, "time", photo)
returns 11 h 50 min
